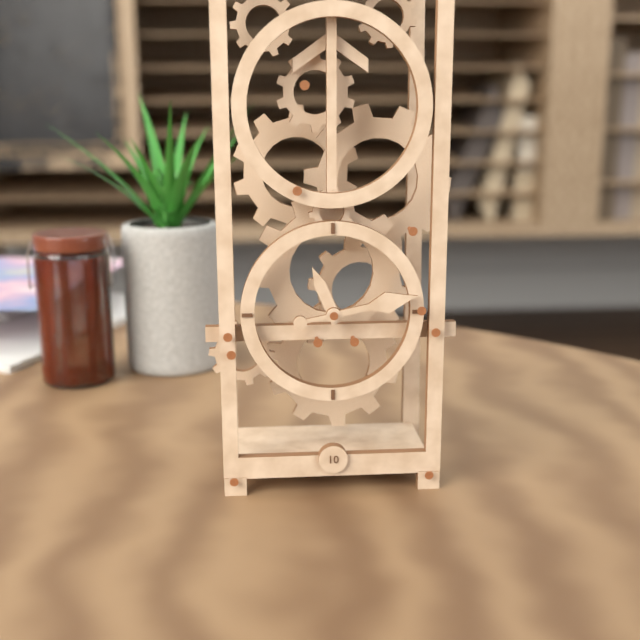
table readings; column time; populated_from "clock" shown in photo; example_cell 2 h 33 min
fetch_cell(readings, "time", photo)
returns 11 h 13 min
